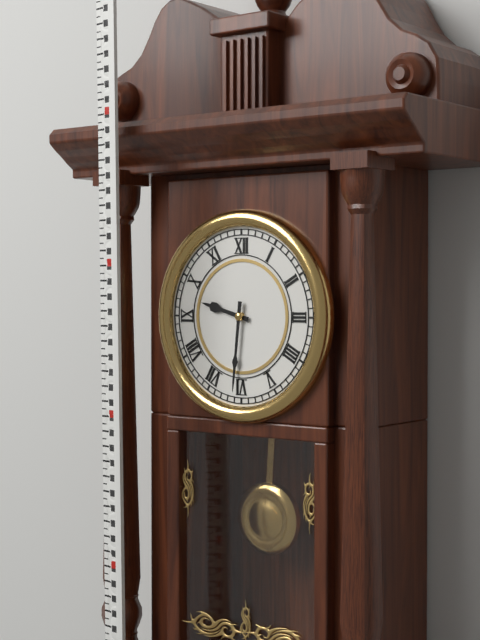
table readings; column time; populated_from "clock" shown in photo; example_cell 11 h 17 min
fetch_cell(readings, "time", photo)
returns 9 h 31 min
